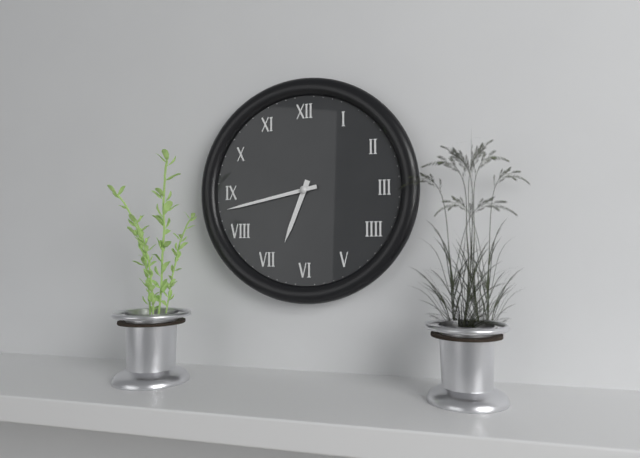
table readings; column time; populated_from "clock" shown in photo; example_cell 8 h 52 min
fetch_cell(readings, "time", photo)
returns 6 h 43 min
